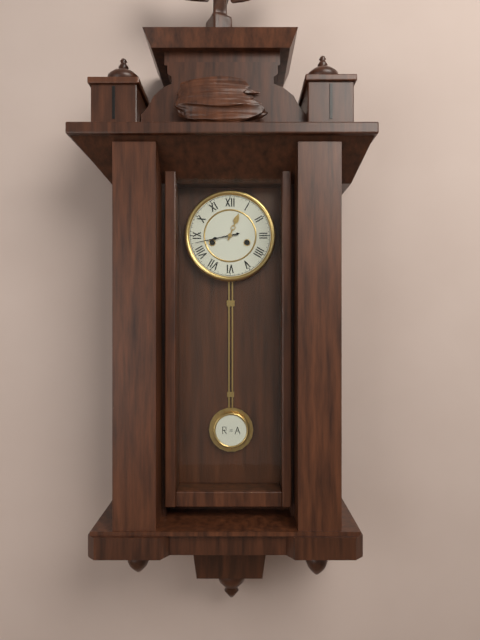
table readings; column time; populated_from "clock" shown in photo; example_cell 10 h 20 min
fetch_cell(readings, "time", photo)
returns 12 h 43 min
